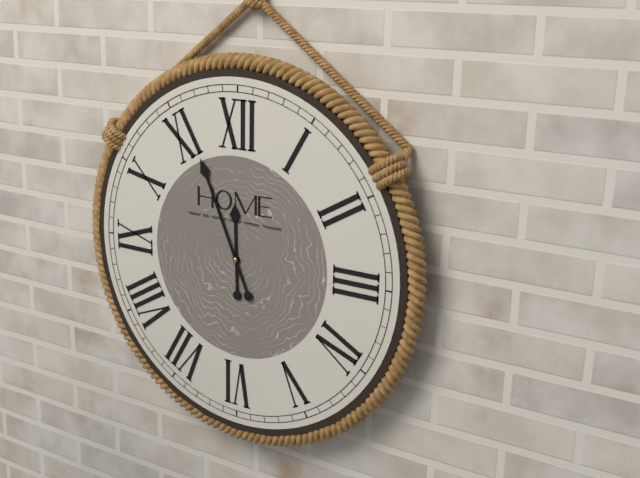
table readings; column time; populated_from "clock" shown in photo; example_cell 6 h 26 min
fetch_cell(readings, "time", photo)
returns 11 h 56 min
